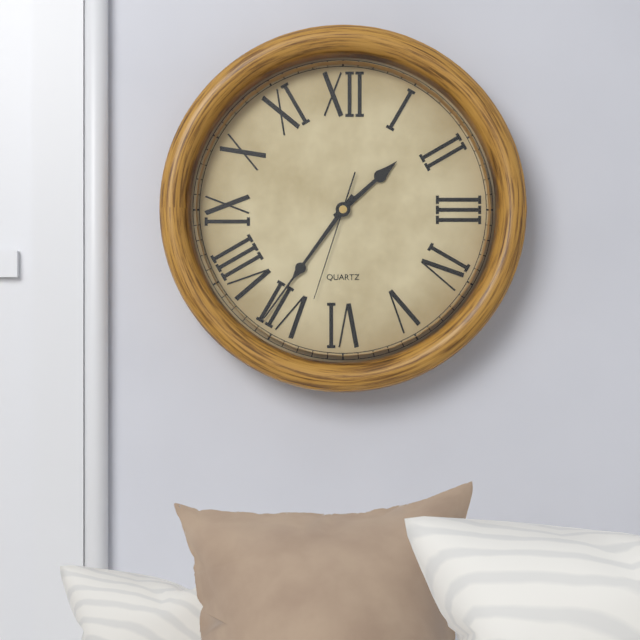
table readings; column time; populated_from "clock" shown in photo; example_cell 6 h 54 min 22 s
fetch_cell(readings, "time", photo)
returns 1 h 36 min 33 s
